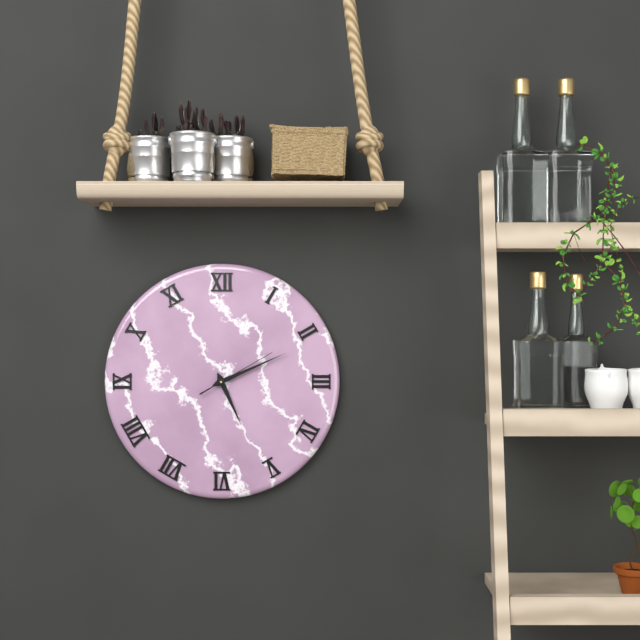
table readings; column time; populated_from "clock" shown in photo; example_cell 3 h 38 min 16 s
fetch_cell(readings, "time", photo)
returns 5 h 11 min 10 s
